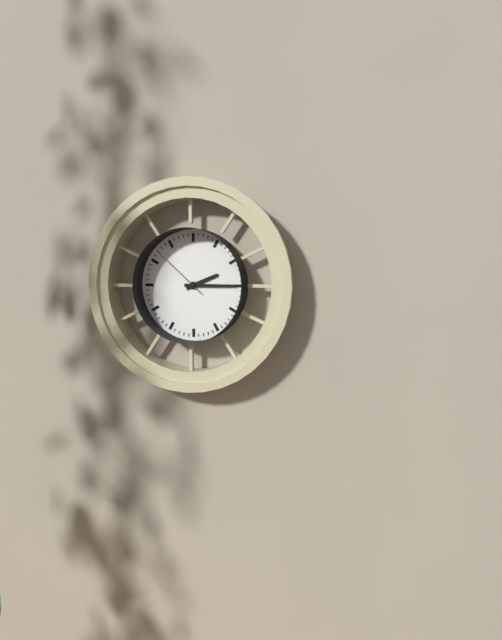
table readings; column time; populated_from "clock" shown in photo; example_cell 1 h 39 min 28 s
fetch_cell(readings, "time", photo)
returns 2 h 15 min 52 s
